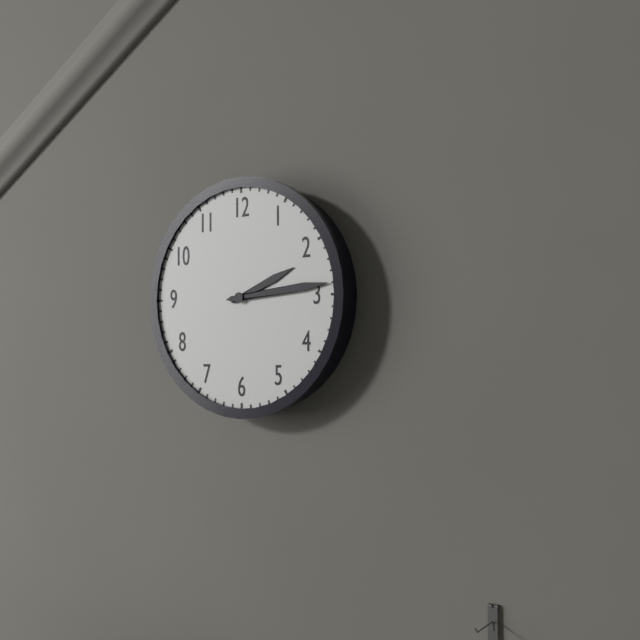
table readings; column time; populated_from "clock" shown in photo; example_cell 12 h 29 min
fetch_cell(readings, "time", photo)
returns 2 h 14 min
